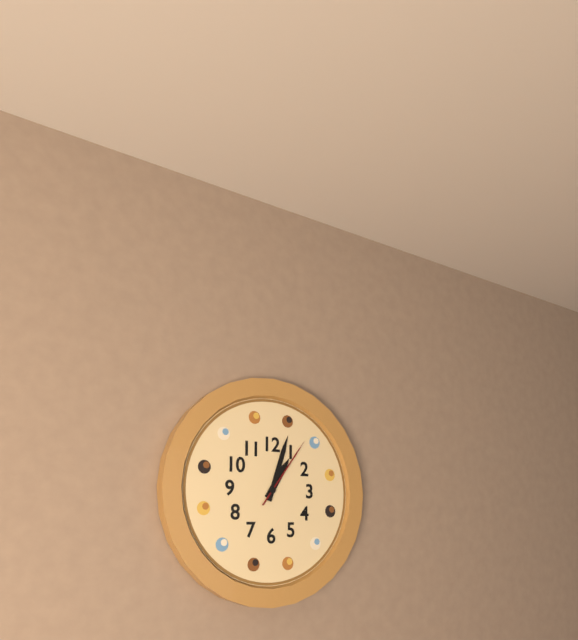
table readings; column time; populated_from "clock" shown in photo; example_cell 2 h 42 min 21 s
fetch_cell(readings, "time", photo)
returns 1 h 03 min 06 s
